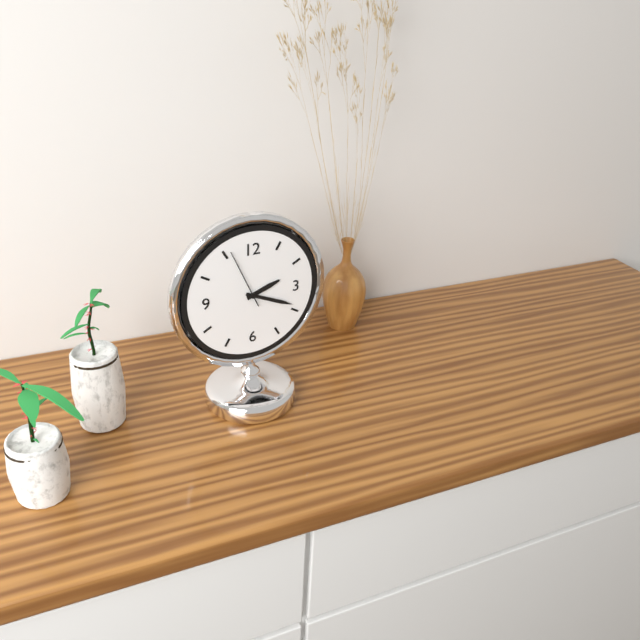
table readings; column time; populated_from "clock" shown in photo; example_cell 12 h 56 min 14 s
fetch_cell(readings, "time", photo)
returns 2 h 19 min 56 s
